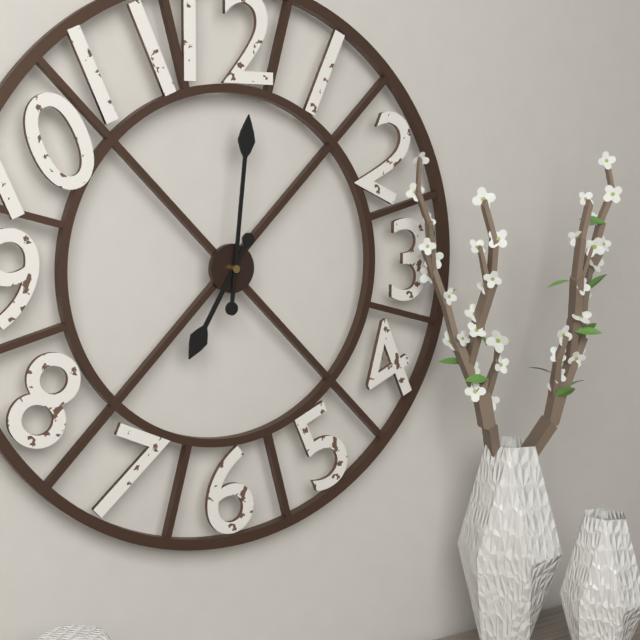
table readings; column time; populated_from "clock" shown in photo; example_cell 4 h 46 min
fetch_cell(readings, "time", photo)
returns 7 h 01 min
